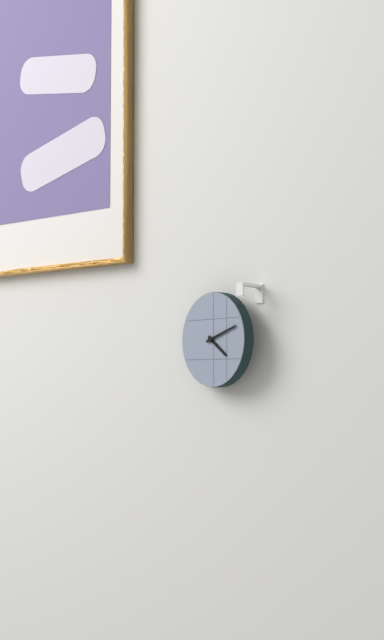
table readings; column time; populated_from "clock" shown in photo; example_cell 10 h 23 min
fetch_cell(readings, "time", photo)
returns 4 h 12 min
